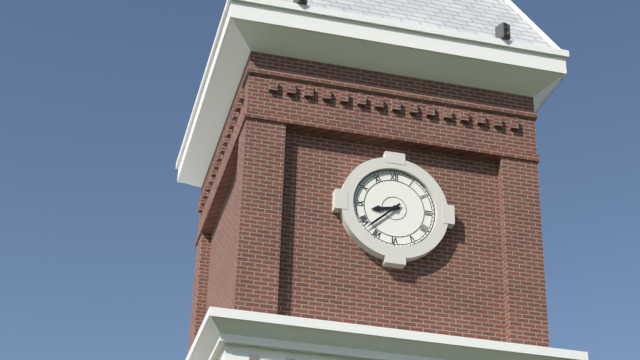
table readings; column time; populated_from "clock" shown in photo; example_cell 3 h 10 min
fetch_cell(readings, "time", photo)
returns 8 h 38 min
